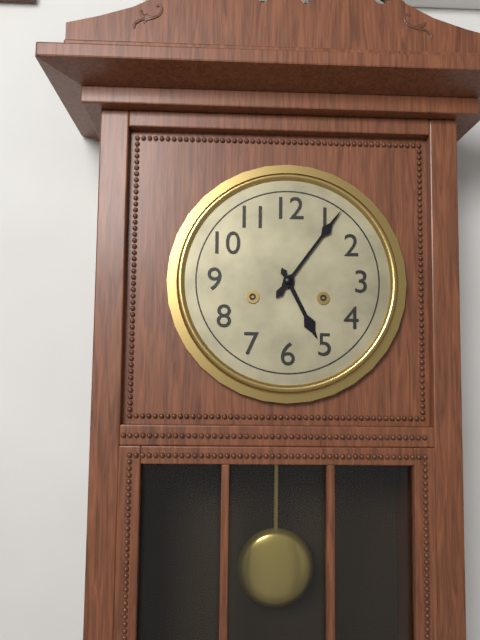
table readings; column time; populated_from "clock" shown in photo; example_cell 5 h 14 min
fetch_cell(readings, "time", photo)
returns 5 h 06 min
